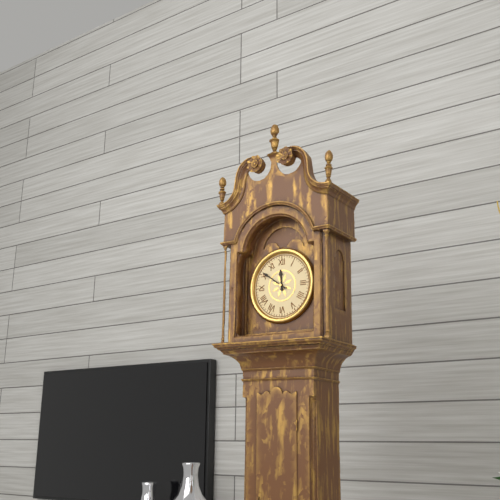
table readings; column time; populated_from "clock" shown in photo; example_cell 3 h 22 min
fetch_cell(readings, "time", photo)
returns 11 h 51 min
